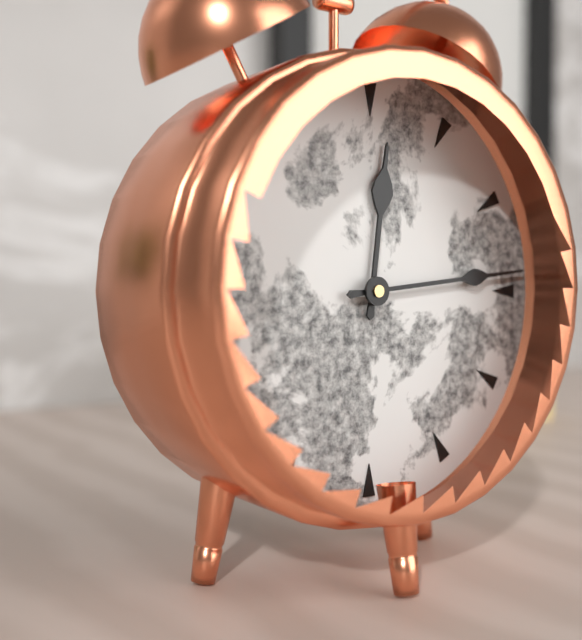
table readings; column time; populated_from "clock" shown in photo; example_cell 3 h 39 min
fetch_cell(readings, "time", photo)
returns 12 h 14 min
